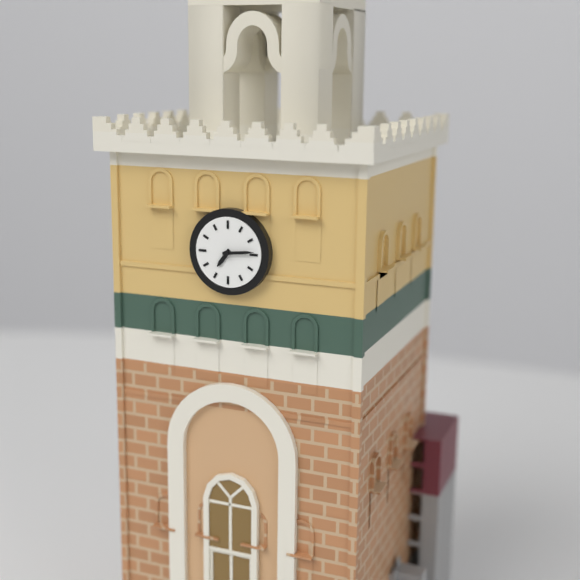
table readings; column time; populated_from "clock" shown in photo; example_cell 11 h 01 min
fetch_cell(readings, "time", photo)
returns 7 h 14 min
